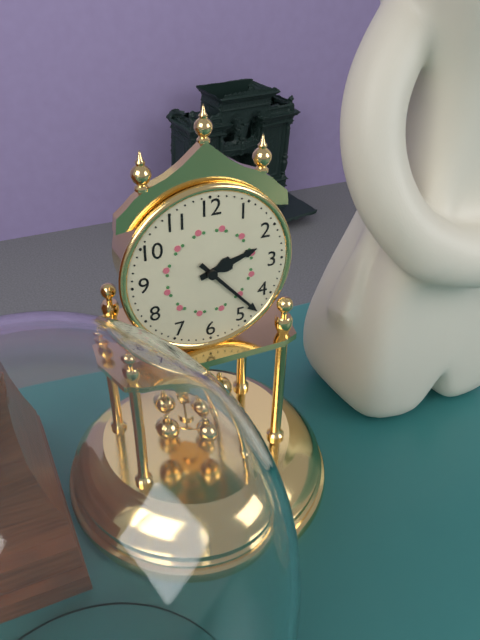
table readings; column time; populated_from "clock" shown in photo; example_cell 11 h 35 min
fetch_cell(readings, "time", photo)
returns 2 h 23 min
